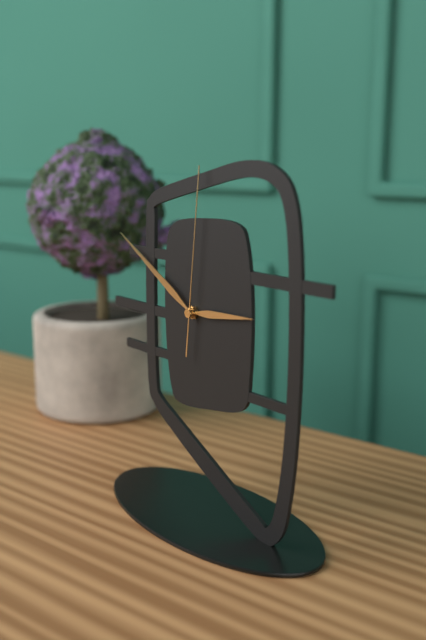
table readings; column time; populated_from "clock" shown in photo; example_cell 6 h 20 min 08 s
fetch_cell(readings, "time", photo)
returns 2 h 50 min 01 s
